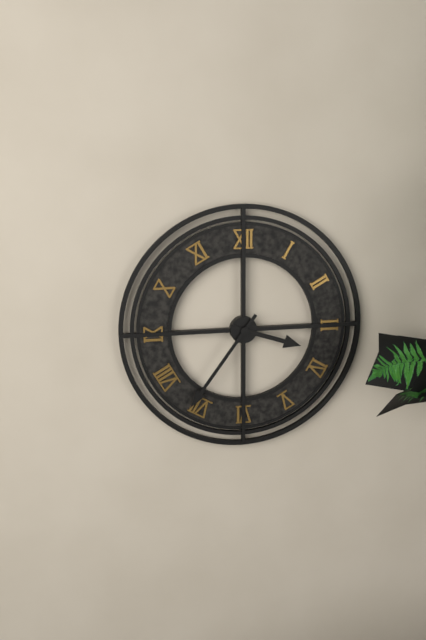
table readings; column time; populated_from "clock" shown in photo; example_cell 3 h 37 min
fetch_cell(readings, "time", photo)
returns 3 h 36 min
